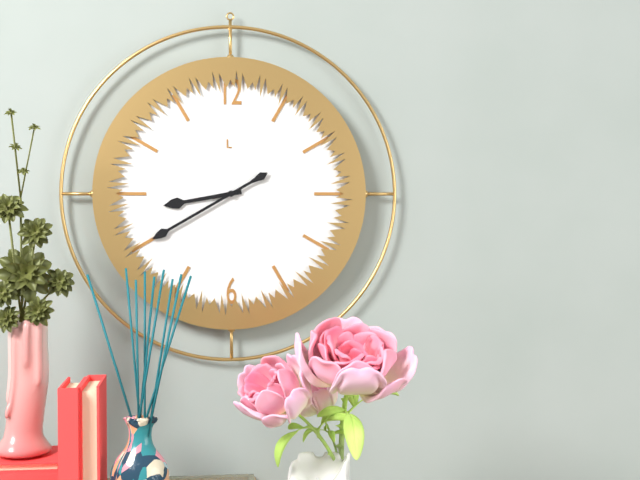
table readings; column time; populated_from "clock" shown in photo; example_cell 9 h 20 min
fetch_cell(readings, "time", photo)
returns 8 h 40 min
